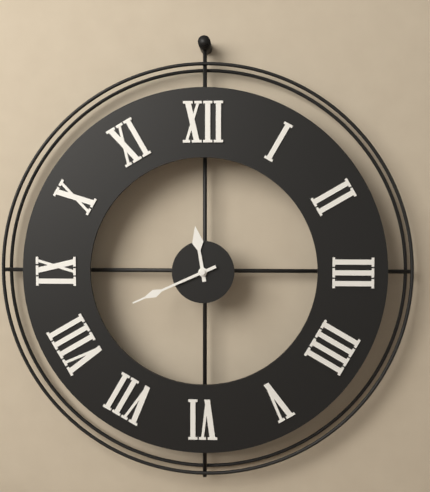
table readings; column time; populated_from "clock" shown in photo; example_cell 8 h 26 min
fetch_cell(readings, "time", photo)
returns 11 h 41 min
